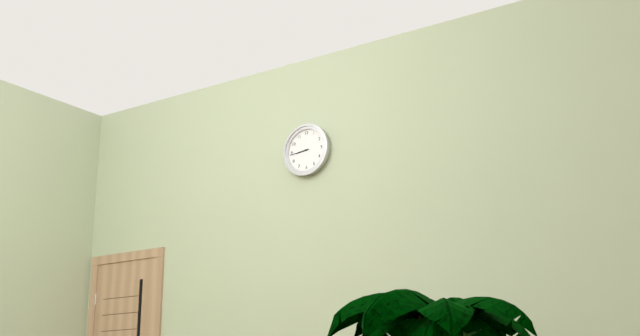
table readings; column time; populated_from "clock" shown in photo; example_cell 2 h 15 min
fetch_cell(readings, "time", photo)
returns 8 h 44 min
